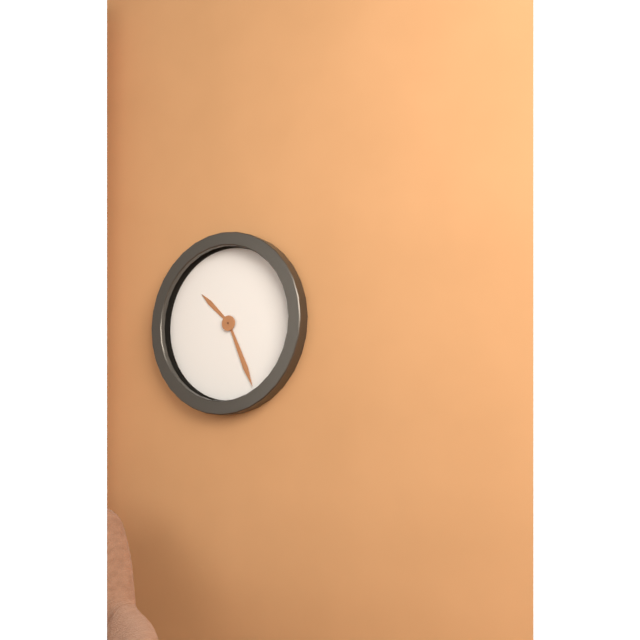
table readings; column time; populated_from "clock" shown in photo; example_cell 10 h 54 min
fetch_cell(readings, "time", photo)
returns 10 h 26 min
